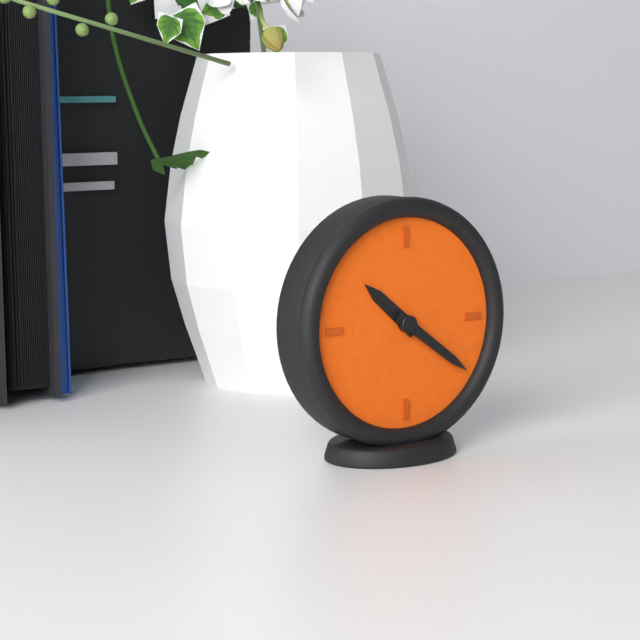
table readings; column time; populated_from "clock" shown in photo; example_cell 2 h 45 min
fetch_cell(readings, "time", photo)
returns 10 h 21 min
